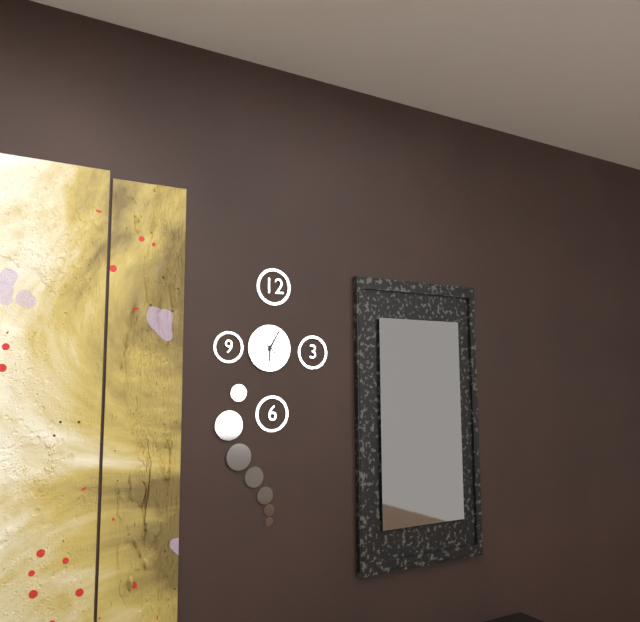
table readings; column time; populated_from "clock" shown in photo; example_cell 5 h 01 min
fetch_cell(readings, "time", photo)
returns 6 h 05 min
